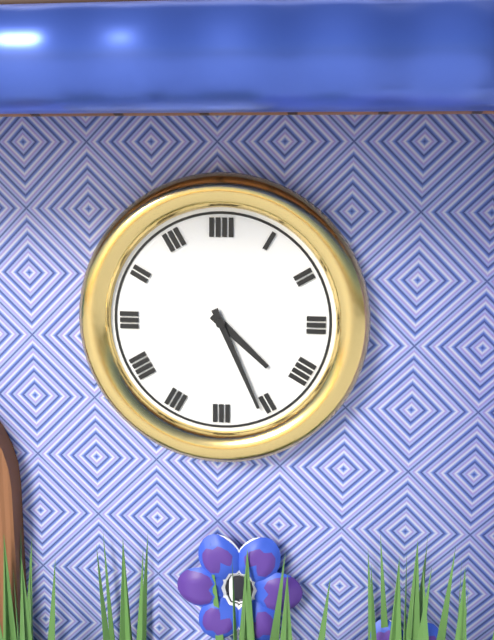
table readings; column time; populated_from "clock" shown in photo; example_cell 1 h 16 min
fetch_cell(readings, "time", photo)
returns 4 h 26 min
